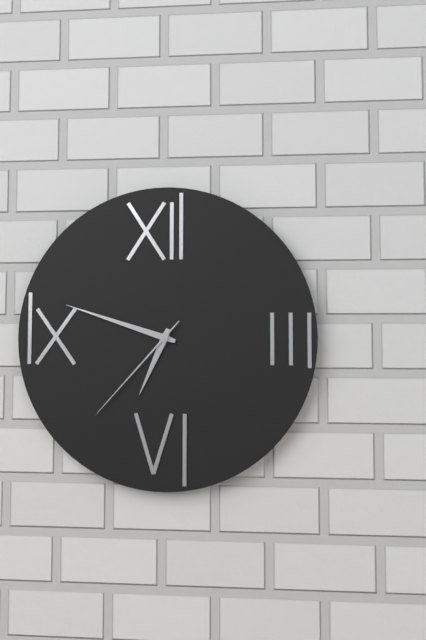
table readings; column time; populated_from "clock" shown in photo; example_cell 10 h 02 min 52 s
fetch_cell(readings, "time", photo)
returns 6 h 48 min 37 s
